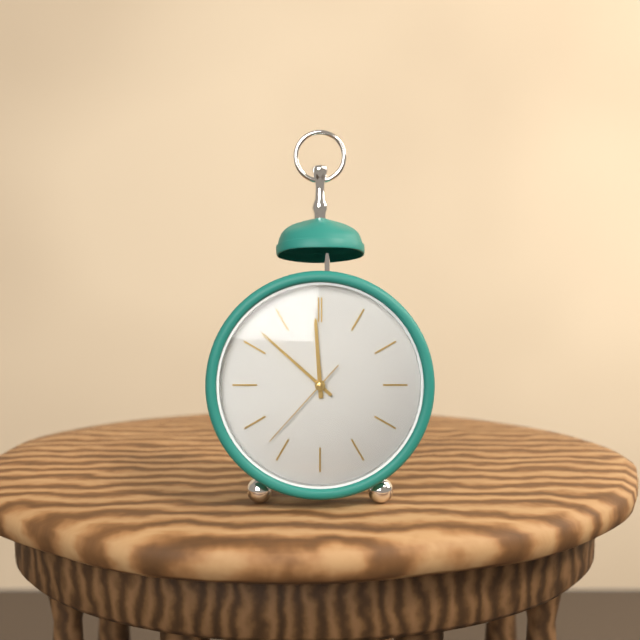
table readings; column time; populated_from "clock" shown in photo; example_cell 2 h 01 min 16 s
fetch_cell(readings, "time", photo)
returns 11 h 52 min 37 s
